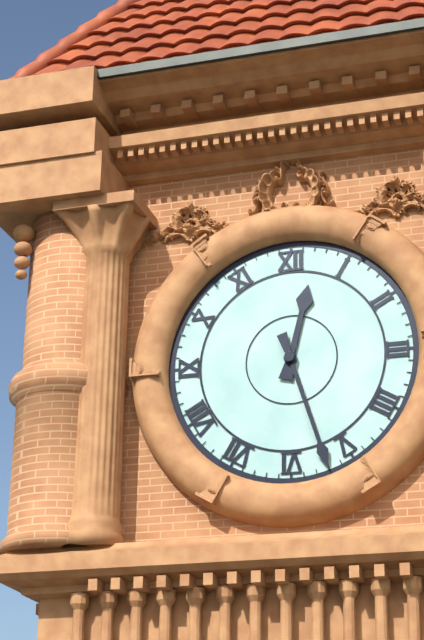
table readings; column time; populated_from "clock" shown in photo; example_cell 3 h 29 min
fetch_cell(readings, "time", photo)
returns 12 h 27 min
